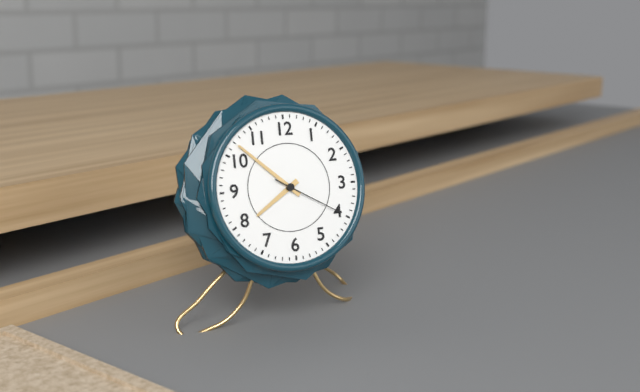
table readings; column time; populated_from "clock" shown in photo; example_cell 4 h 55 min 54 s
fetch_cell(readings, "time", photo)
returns 7 h 52 min 20 s
